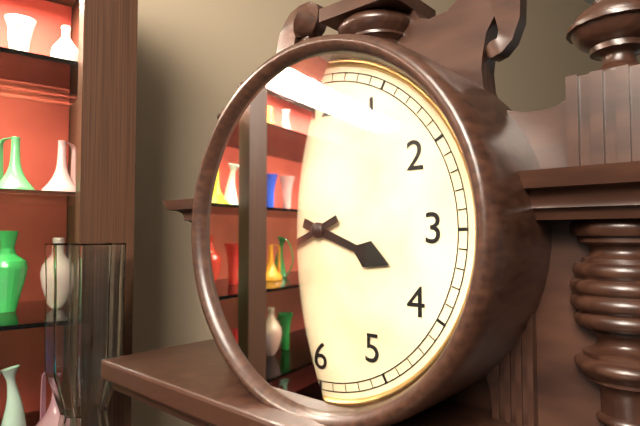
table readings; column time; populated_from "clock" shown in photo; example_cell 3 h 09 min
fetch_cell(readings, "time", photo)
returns 3 h 41 min
